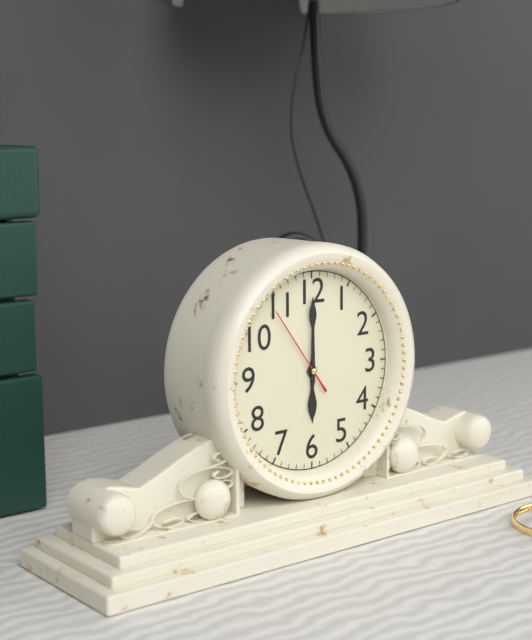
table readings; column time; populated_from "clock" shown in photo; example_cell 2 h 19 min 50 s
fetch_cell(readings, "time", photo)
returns 6 h 00 min 54 s
